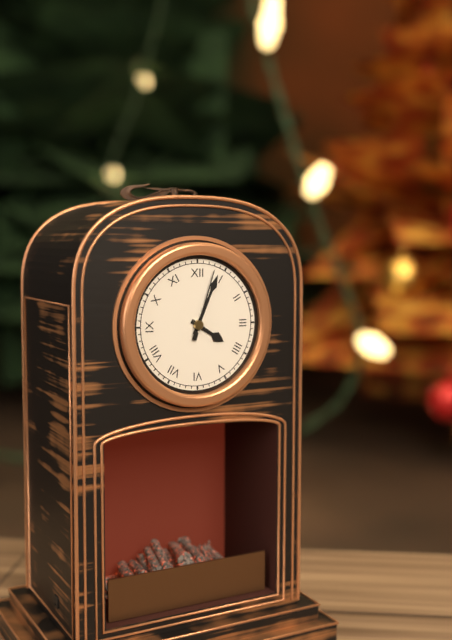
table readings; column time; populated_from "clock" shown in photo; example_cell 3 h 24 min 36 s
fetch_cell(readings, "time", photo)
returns 4 h 04 min 03 s
